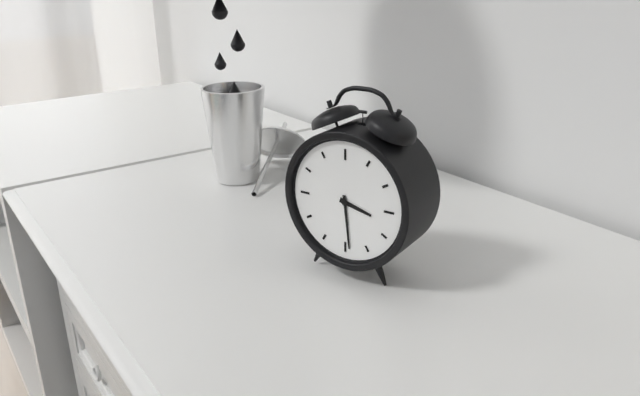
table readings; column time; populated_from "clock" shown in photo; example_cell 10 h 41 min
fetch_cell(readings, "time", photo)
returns 3 h 29 min
